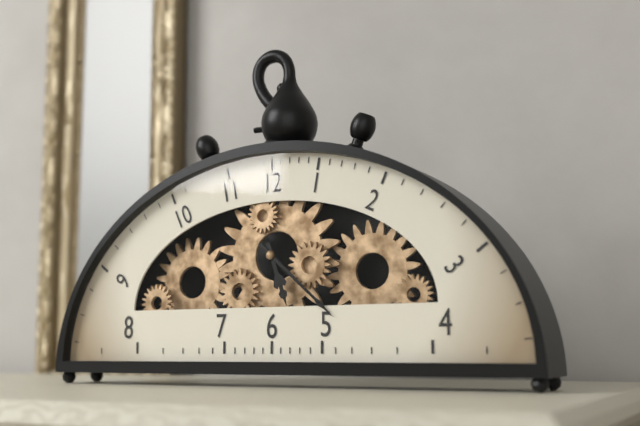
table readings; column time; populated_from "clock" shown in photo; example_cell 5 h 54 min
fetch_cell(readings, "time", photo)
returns 5 h 22 min
